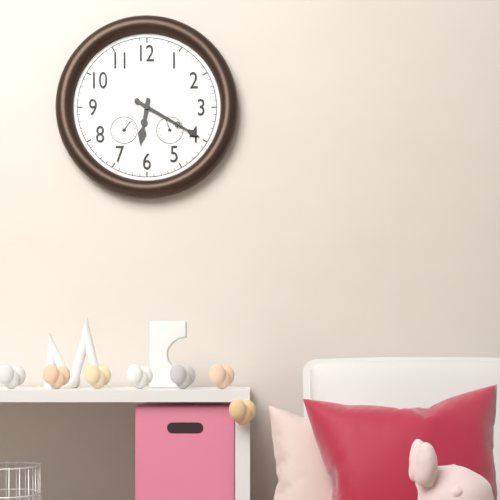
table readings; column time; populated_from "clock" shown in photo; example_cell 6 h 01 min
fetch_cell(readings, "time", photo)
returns 6 h 20 min
